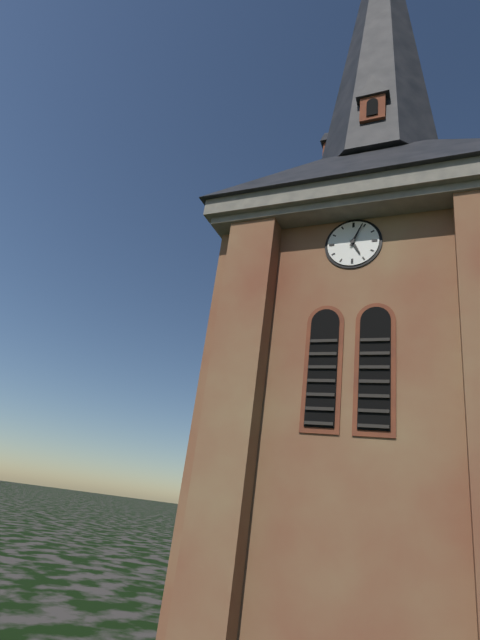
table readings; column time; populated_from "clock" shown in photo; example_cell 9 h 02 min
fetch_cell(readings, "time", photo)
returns 5 h 04 min
